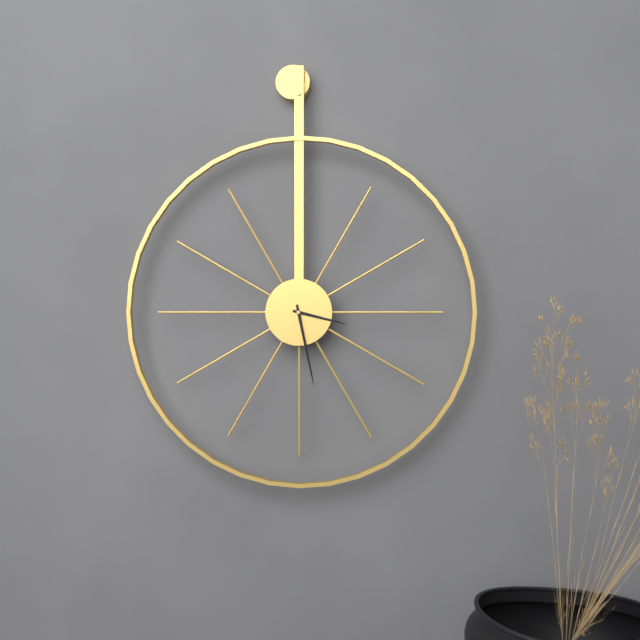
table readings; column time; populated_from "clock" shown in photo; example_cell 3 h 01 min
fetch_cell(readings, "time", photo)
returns 3 h 28 min
